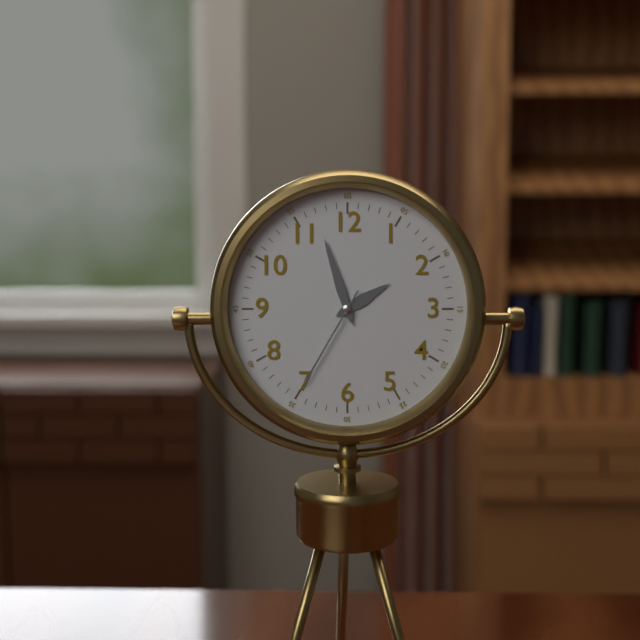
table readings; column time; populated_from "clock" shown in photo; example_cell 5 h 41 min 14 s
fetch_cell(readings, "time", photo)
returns 1 h 57 min 35 s
